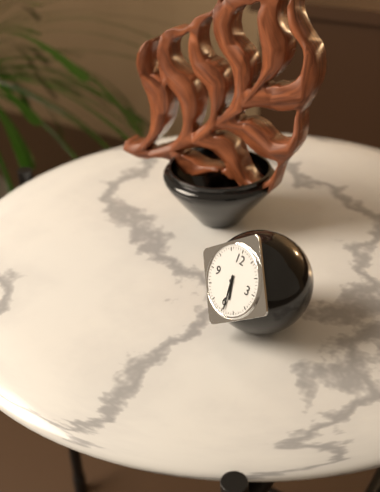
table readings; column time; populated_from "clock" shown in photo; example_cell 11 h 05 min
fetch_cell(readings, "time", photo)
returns 5 h 29 min
